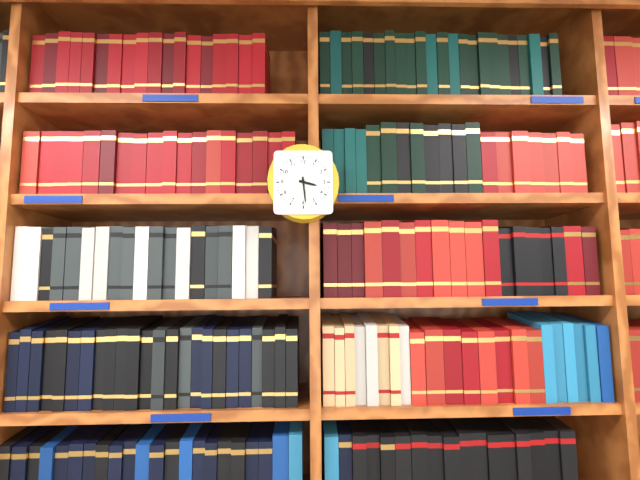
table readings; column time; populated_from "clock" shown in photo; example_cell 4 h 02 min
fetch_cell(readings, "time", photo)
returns 3 h 29 min
